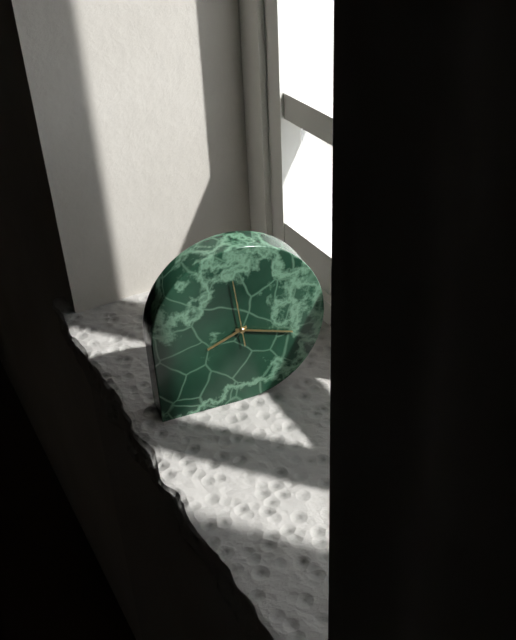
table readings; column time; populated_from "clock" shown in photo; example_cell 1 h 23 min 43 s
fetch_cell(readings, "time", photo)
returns 8 h 18 min 59 s
